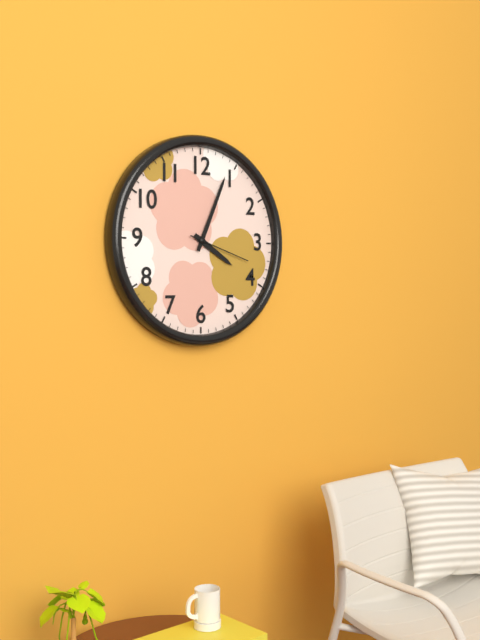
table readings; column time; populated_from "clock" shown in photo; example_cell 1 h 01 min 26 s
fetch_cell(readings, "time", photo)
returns 4 h 04 min 18 s
